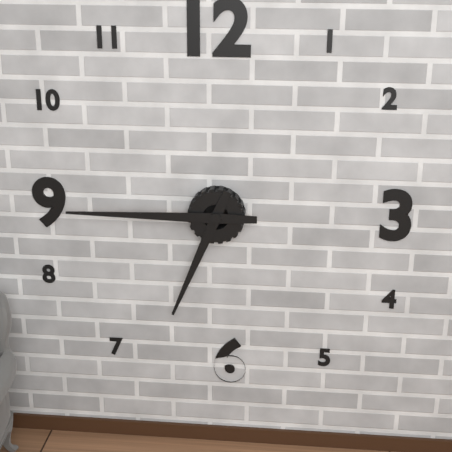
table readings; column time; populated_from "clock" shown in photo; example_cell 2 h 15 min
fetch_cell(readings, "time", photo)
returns 6 h 45 min
